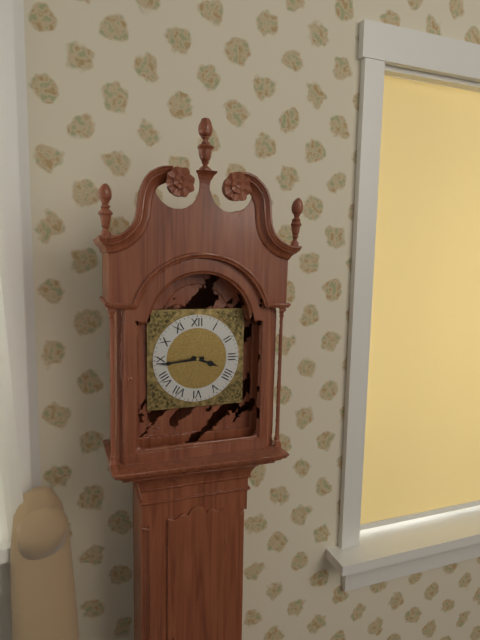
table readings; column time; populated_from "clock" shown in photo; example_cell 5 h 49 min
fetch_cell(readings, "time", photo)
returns 3 h 44 min
